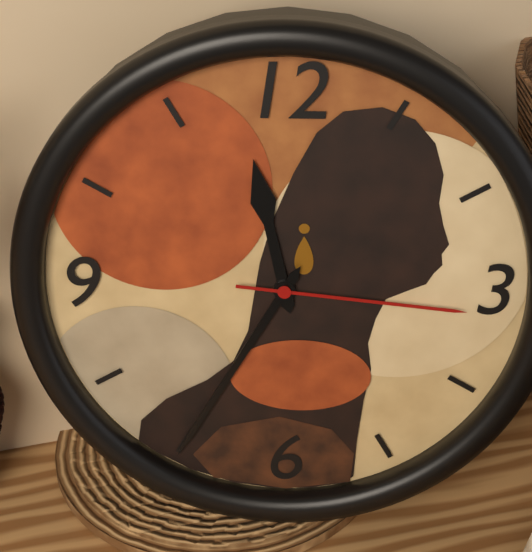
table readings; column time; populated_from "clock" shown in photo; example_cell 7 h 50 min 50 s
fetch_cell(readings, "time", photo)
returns 11 h 35 min 16 s
